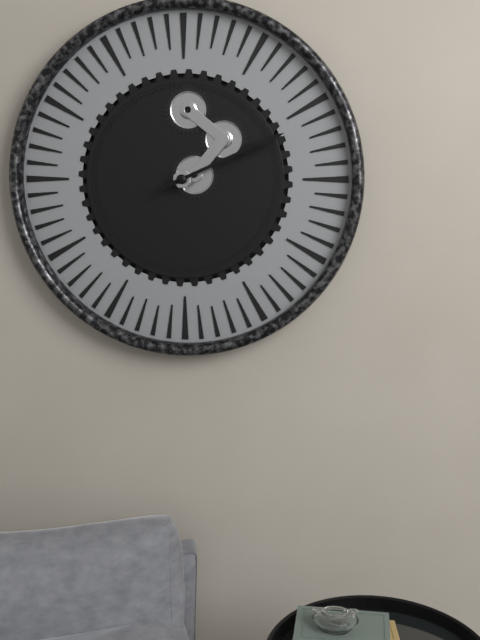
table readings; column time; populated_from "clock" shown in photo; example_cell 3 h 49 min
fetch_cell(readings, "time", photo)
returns 2 h 11 min
